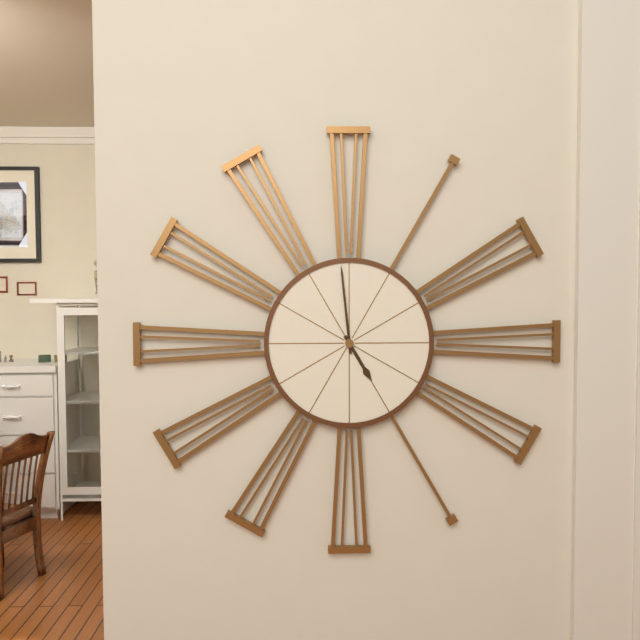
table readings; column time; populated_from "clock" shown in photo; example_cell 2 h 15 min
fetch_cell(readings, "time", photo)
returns 4 h 59 min
